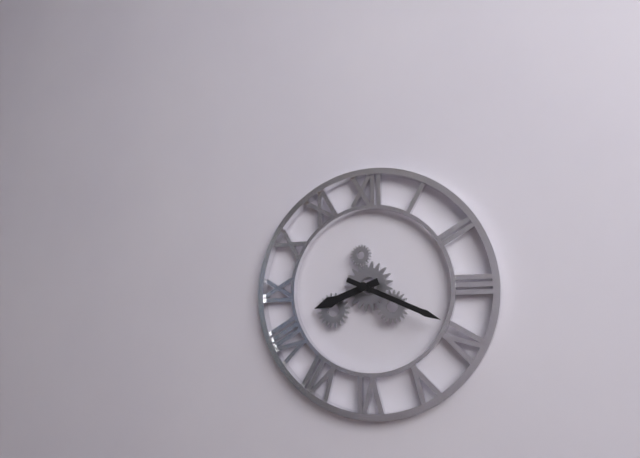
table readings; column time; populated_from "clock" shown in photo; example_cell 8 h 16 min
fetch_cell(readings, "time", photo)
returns 8 h 19 min
